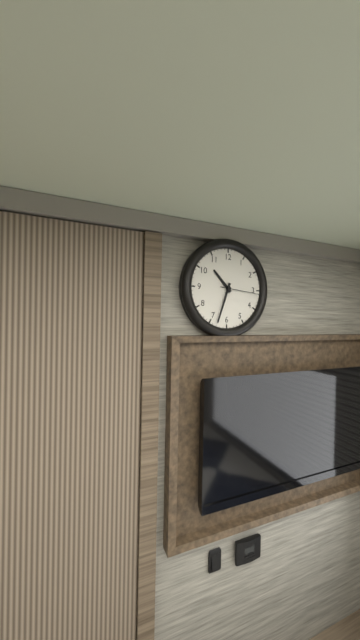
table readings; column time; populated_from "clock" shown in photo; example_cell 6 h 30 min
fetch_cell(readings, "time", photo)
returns 10 h 33 min
